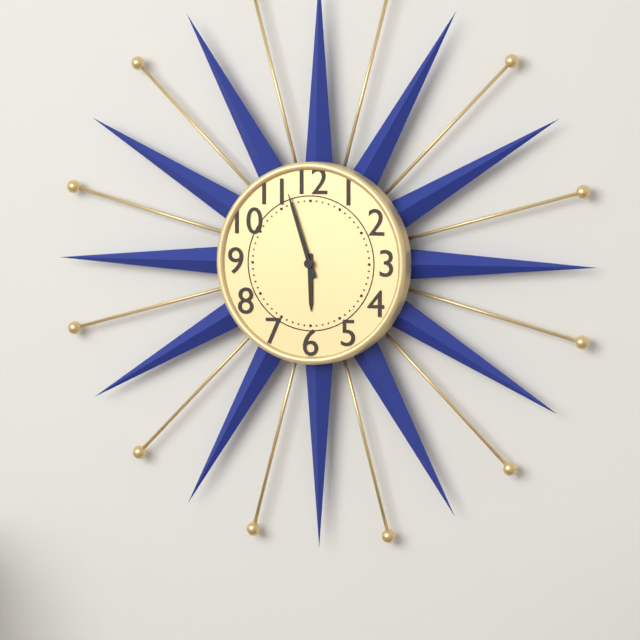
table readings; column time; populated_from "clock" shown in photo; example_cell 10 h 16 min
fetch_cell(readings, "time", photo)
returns 5 h 57 min
